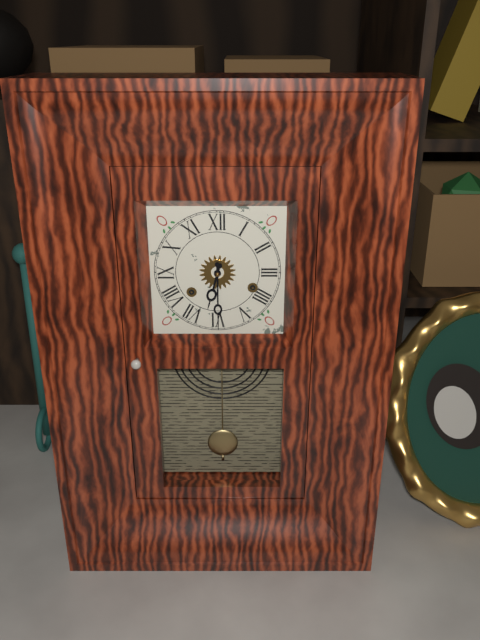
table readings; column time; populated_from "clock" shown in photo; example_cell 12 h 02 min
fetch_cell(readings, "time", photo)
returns 6 h 30 min
